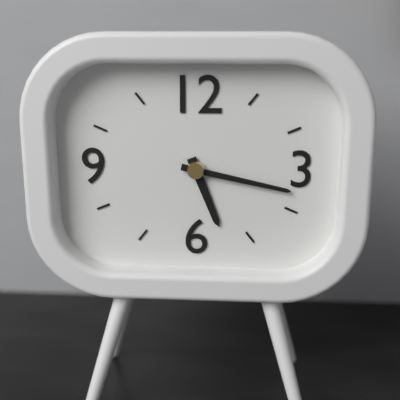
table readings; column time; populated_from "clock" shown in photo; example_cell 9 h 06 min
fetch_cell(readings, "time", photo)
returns 5 h 17 min
